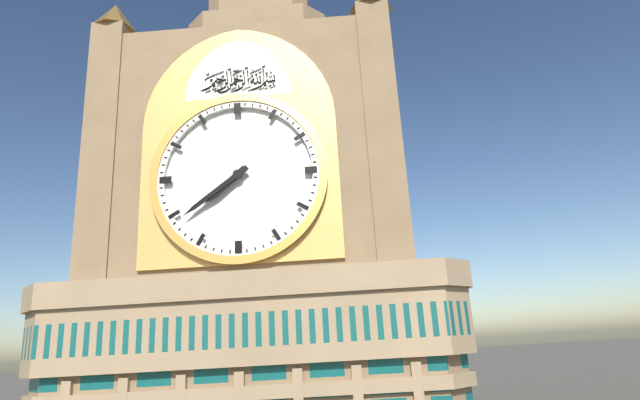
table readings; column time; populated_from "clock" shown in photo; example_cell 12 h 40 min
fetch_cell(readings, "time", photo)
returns 7 h 39 min
